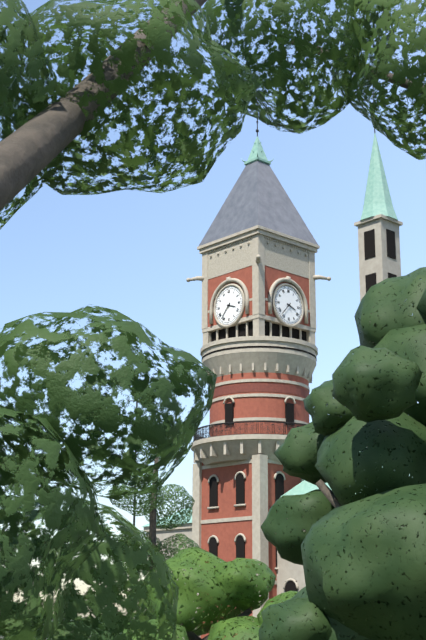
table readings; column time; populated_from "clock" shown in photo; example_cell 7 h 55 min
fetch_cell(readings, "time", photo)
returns 3 h 37 min
